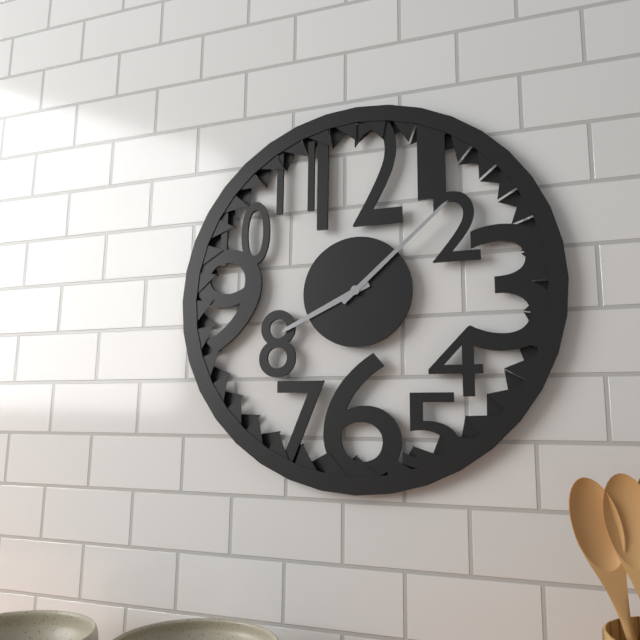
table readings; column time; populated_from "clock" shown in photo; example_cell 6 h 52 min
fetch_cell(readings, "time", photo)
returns 8 h 08 min
